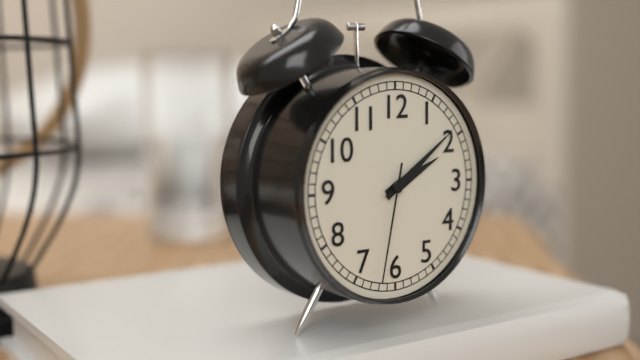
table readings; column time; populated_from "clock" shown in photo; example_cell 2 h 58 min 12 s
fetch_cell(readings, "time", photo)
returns 2 h 09 min 32 s
